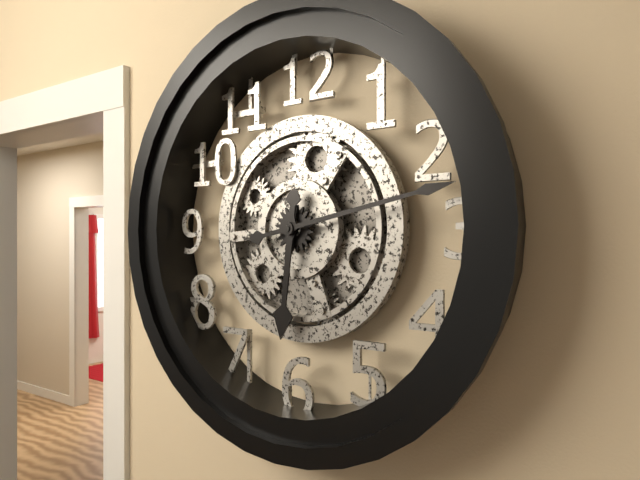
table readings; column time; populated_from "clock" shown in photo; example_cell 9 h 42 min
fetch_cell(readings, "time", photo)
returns 6 h 13 min
